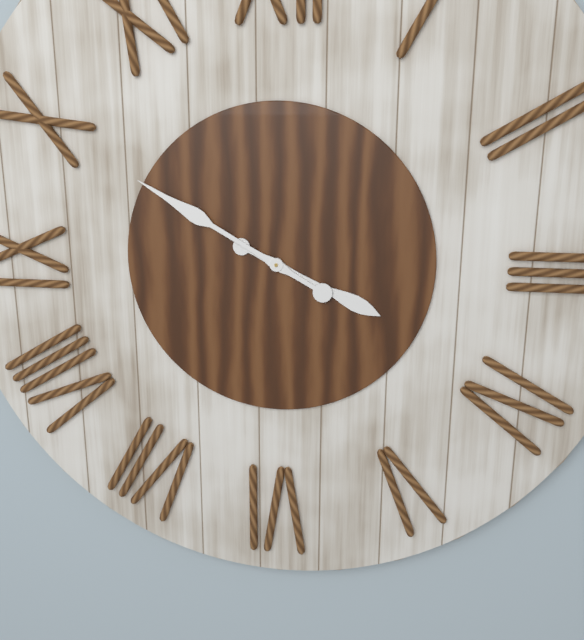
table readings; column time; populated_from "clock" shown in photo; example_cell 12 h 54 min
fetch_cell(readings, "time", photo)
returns 3 h 50 min
